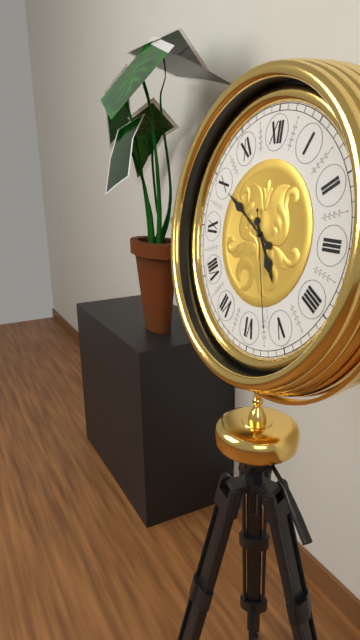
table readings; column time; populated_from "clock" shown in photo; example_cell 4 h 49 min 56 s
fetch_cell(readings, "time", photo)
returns 4 h 50 min 27 s
